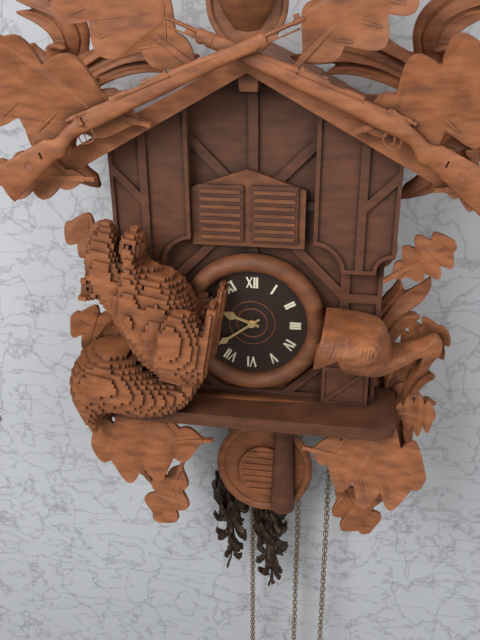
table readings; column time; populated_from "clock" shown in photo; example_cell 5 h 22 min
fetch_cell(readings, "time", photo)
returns 9 h 39 min
